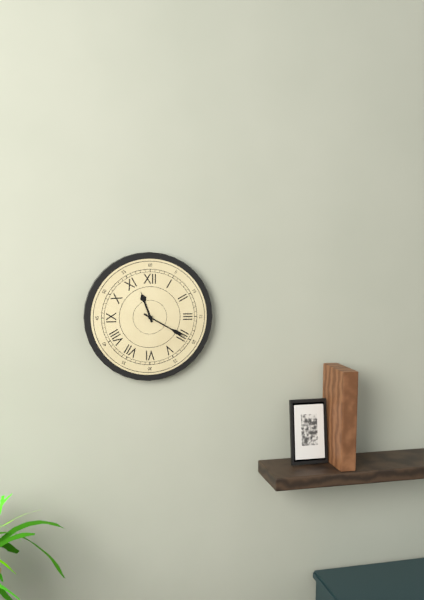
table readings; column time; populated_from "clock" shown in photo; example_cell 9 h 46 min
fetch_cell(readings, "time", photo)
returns 11 h 20 min
